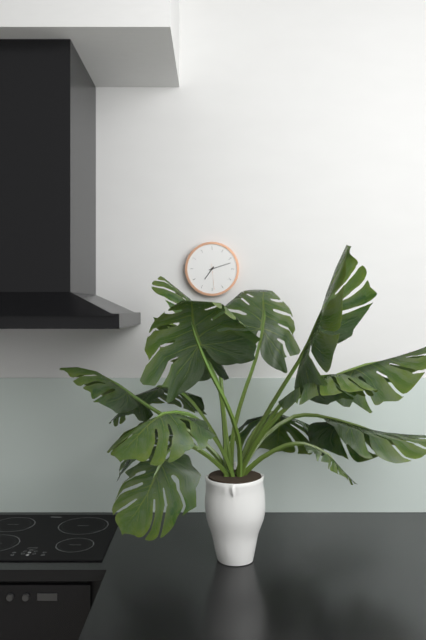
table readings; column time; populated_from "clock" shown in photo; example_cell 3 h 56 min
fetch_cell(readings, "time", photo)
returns 7 h 12 min
